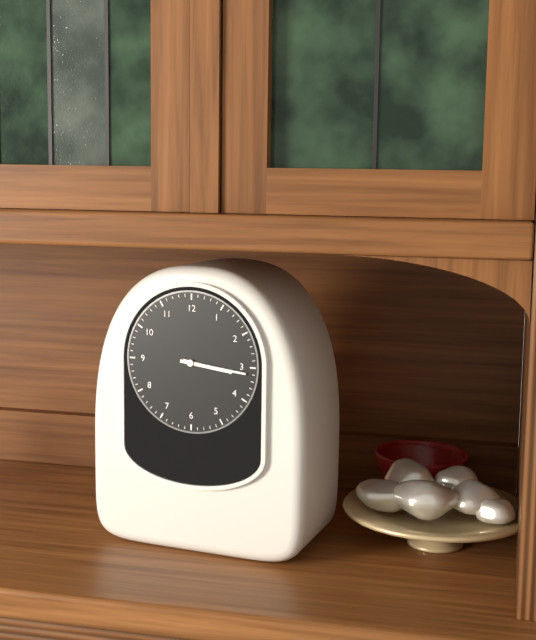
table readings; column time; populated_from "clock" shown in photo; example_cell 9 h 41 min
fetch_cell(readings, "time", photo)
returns 3 h 16 min
